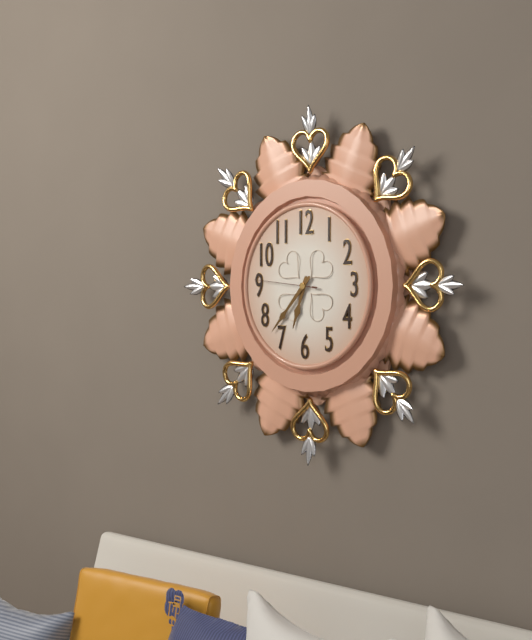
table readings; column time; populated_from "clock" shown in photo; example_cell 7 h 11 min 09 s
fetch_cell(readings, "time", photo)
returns 6 h 37 min 46 s
